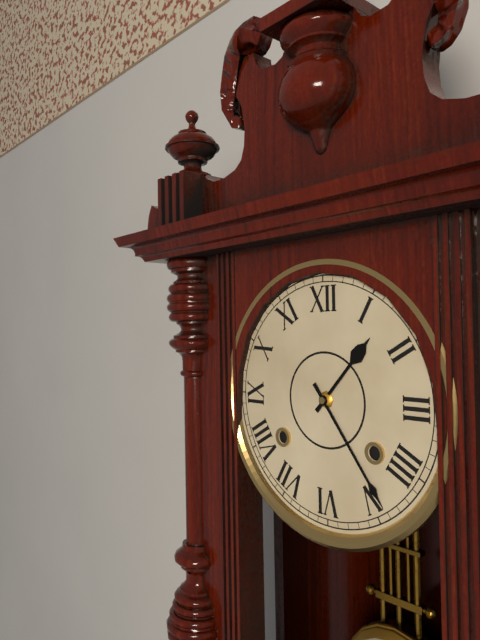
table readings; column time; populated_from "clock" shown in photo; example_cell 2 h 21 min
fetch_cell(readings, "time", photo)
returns 1 h 24 min
